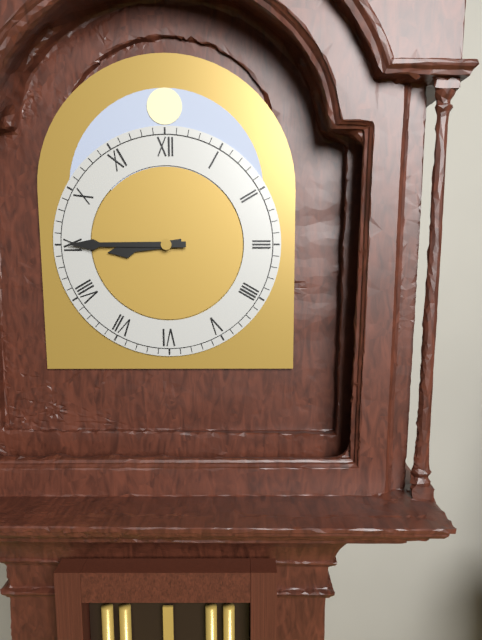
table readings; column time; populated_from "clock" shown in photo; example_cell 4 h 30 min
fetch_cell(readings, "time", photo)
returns 8 h 45 min
